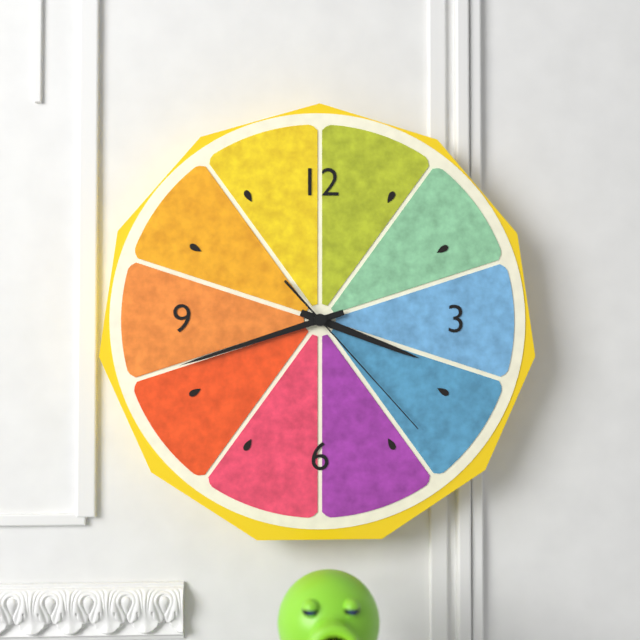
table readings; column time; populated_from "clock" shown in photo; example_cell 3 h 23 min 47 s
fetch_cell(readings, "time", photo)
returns 3 h 42 min 23 s
